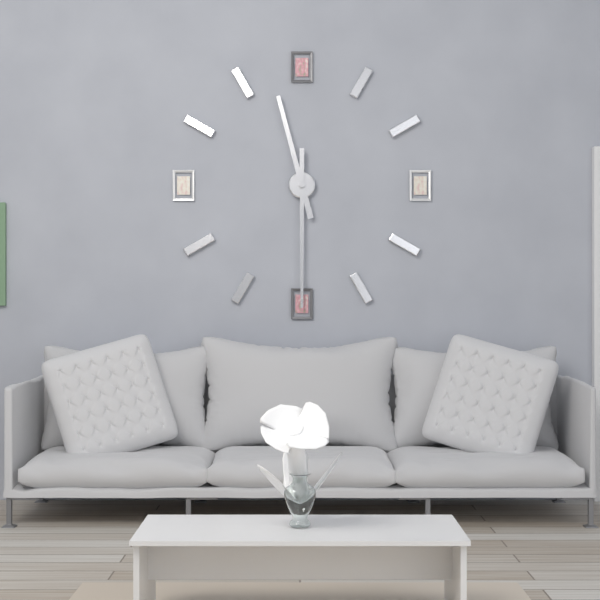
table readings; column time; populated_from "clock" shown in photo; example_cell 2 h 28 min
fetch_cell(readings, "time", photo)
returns 11 h 30 min
